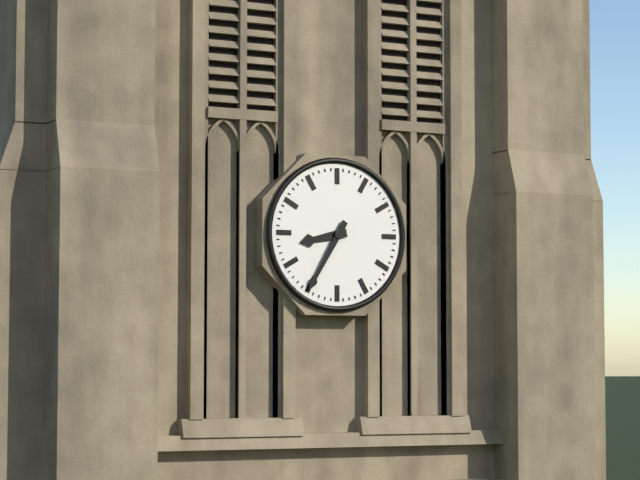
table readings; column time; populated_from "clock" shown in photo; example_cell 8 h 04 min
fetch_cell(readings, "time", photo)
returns 8 h 35 min
